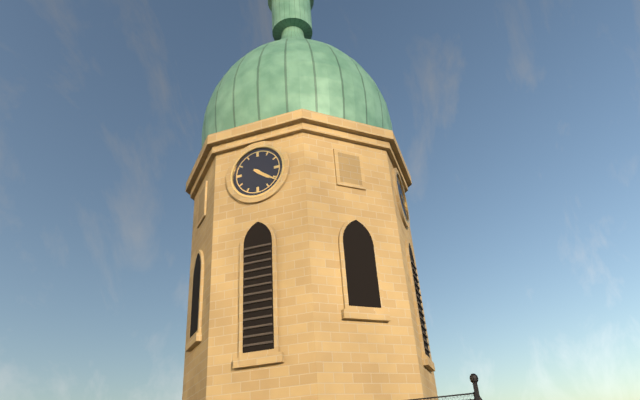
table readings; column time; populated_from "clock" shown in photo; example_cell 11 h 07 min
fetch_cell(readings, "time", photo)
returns 4 h 21 min
